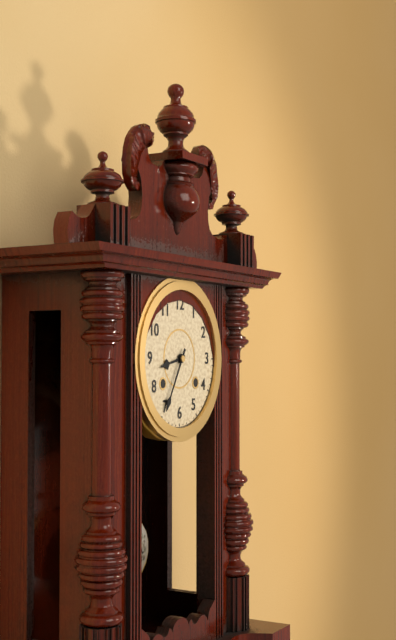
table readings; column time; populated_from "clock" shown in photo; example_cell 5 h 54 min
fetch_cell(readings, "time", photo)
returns 8 h 35 min
